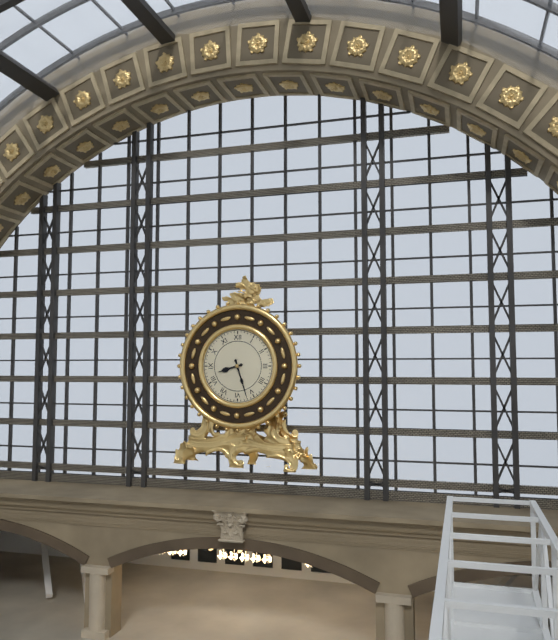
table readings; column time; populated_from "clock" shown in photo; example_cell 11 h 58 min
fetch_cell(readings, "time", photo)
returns 8 h 27 min
